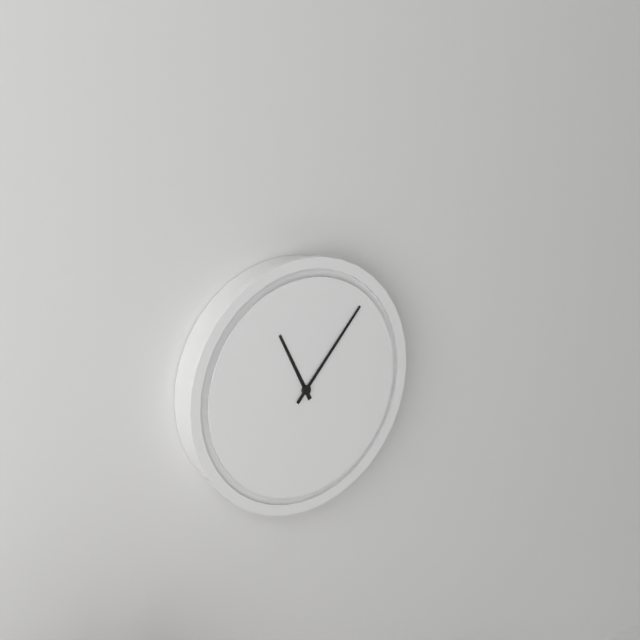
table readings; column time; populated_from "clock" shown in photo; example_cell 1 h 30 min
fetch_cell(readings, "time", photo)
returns 11 h 07 min
